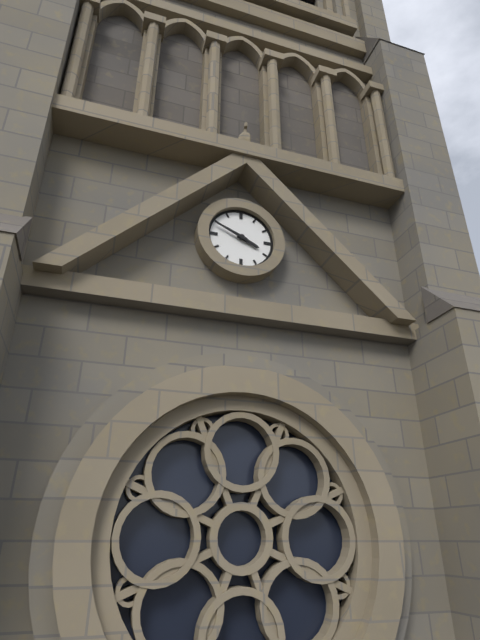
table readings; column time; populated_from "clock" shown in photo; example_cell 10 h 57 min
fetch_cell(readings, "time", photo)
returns 3 h 49 min
